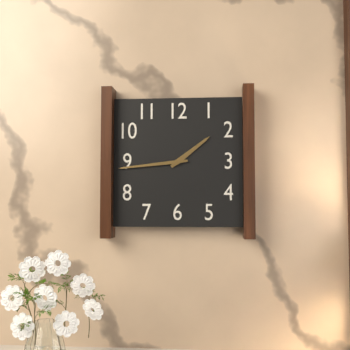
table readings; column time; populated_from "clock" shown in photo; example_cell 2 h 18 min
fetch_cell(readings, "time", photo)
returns 1 h 44 min
